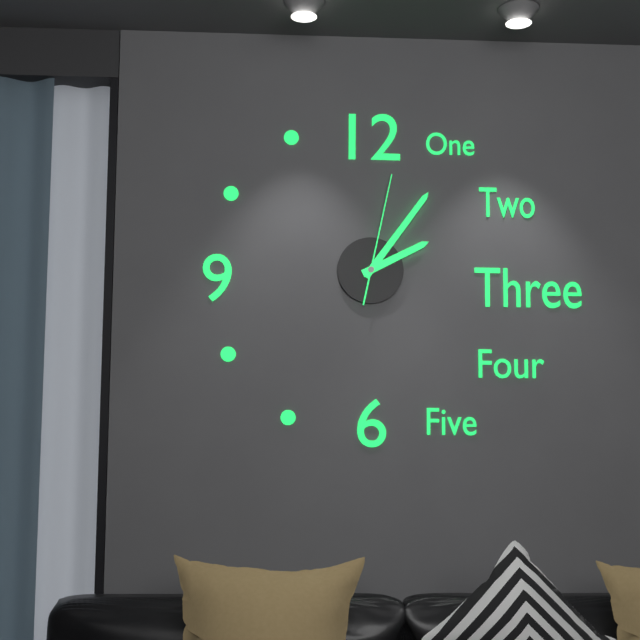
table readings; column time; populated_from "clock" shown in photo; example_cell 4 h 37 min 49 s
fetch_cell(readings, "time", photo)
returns 2 h 06 min 02 s
